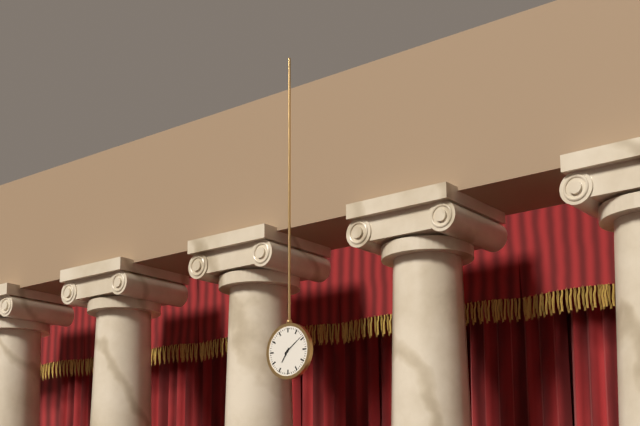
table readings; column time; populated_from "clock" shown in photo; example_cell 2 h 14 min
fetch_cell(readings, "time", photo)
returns 7 h 09 min
